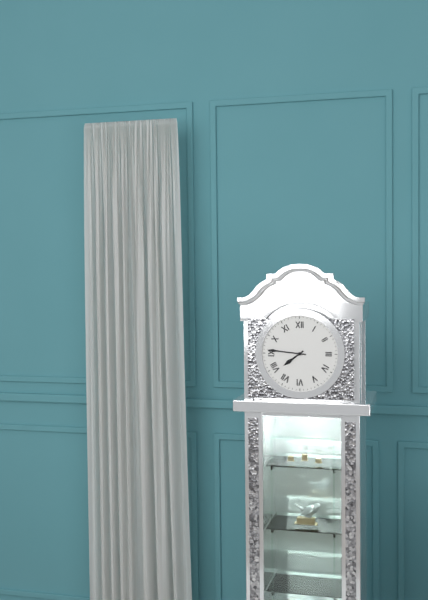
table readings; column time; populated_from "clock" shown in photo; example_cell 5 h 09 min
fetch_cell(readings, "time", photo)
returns 7 h 46 min
